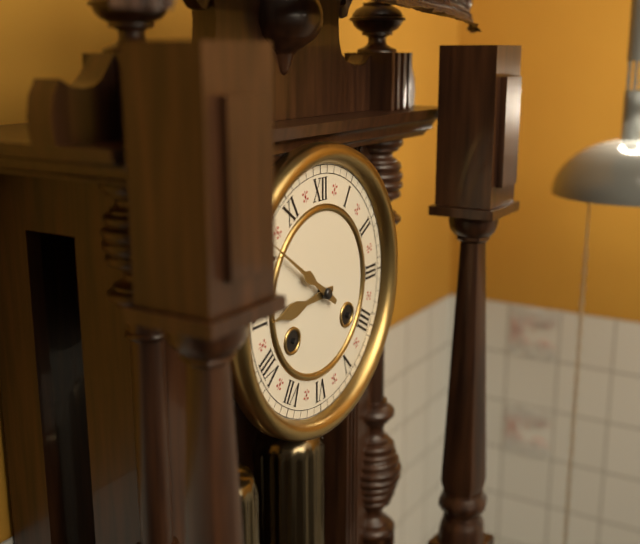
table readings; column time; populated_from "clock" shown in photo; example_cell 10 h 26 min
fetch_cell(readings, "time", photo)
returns 8 h 51 min
